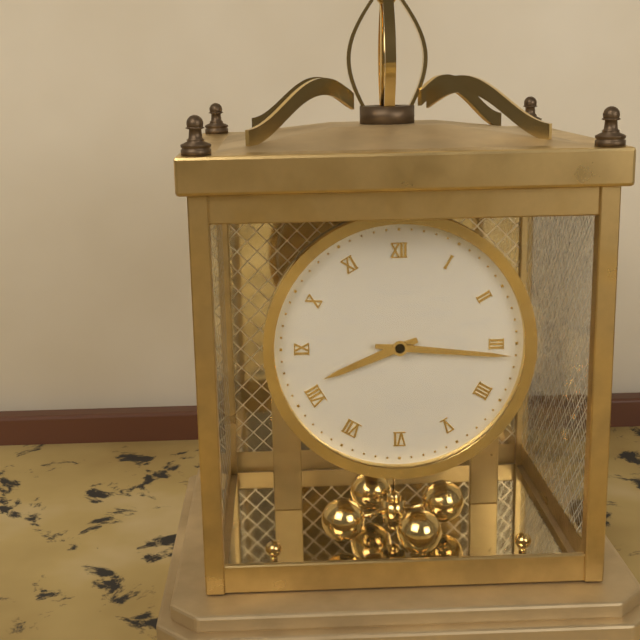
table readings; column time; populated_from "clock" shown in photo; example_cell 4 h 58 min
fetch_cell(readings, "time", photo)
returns 8 h 16 min
